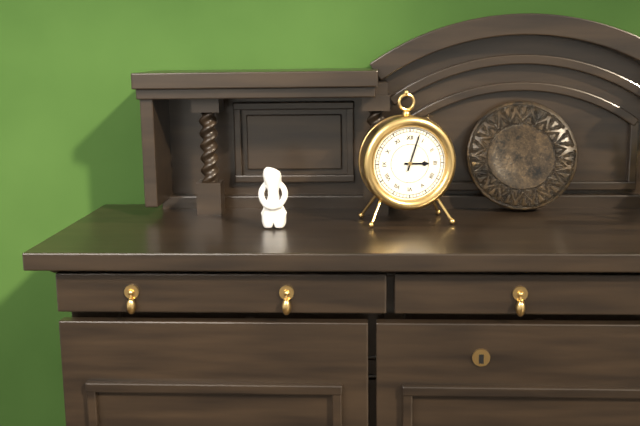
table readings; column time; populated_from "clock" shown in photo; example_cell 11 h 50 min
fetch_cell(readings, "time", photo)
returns 3 h 03 min
